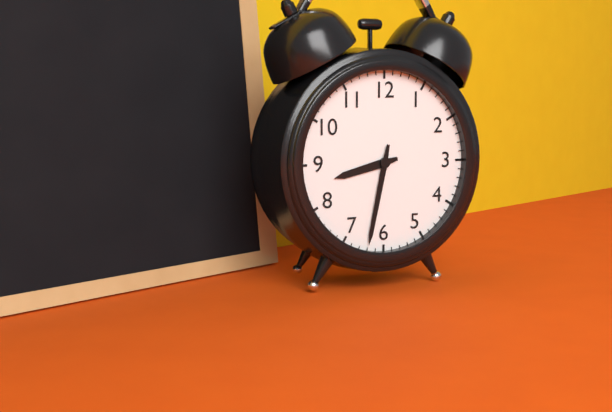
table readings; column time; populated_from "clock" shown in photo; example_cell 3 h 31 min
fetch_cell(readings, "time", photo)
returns 8 h 32 min
